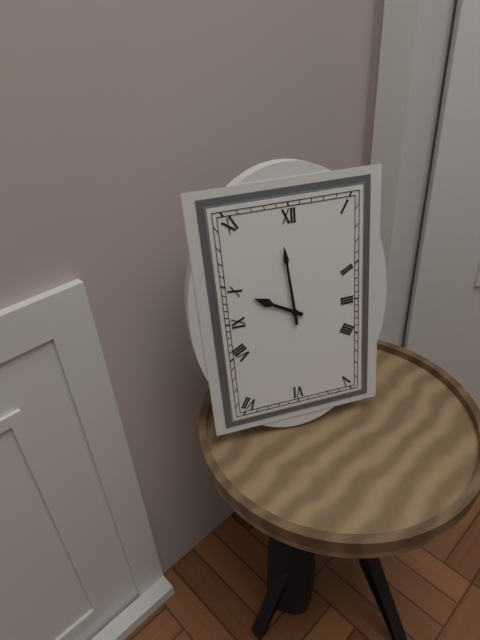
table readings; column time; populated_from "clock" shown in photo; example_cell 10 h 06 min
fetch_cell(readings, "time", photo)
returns 9 h 59 min
